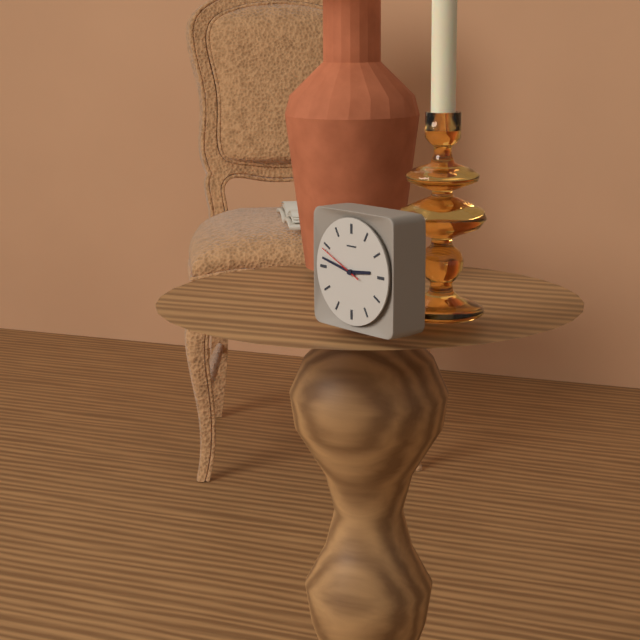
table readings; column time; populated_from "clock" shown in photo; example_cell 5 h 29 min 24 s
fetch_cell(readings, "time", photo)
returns 2 h 47 min 49 s
